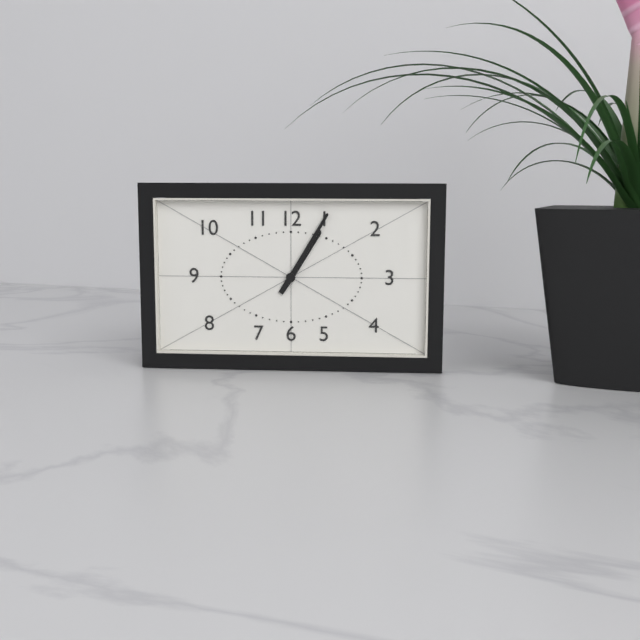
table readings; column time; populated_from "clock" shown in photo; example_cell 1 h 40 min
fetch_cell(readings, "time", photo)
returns 1 h 05 min
